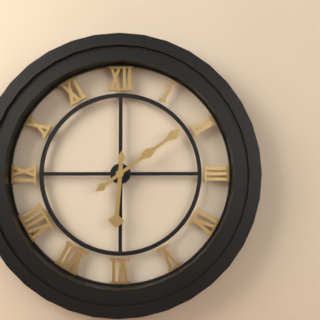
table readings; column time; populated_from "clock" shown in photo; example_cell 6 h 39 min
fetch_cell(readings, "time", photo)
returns 6 h 09 min
